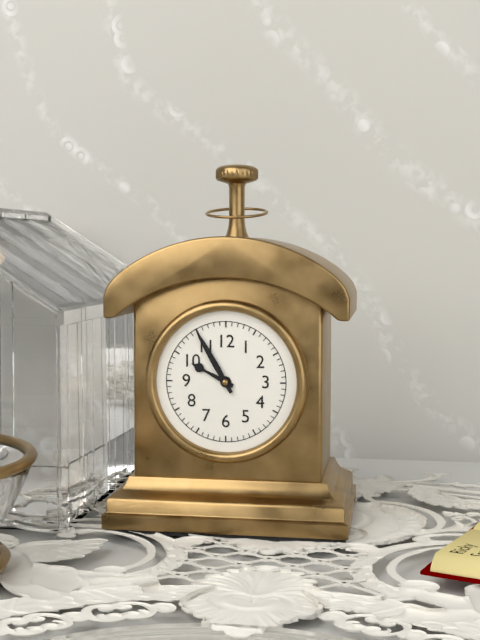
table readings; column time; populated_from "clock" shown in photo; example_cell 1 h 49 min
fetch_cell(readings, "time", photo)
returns 9 h 55 min
